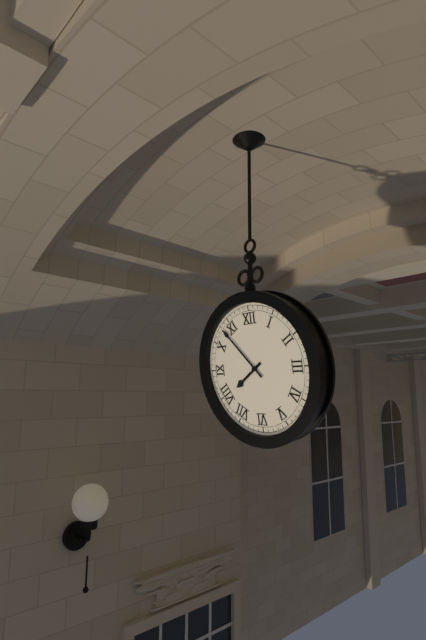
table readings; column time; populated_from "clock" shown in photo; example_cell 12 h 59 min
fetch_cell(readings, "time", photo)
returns 7 h 53 min
